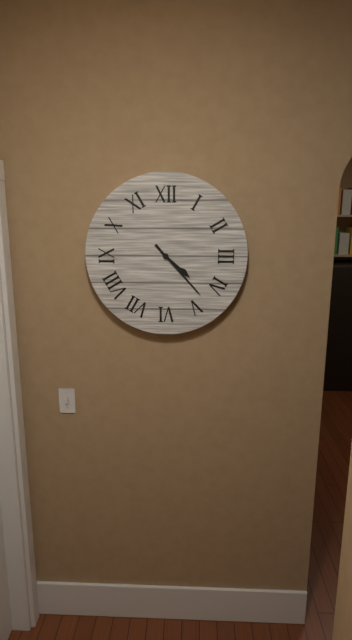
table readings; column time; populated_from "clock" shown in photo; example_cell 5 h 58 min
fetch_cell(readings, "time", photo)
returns 4 h 23 min
